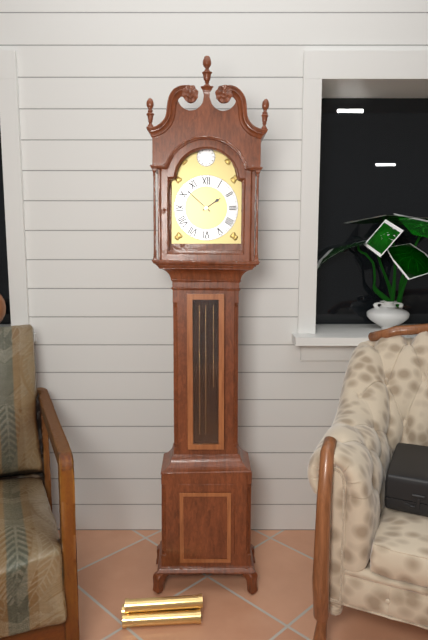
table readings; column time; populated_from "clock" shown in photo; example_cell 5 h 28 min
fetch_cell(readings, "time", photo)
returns 1 h 52 min
